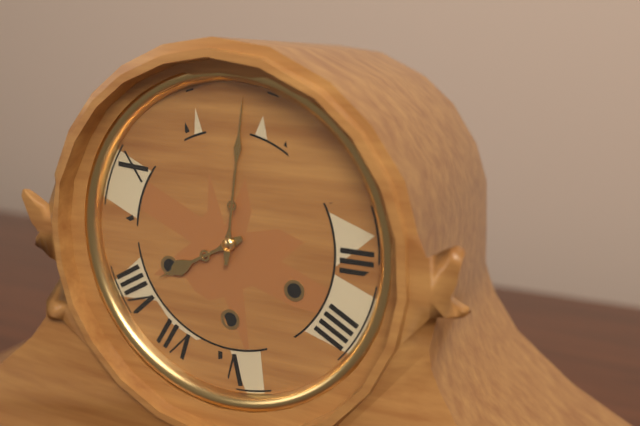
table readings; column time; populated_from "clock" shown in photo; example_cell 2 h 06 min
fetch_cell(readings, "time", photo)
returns 8 h 01 min
